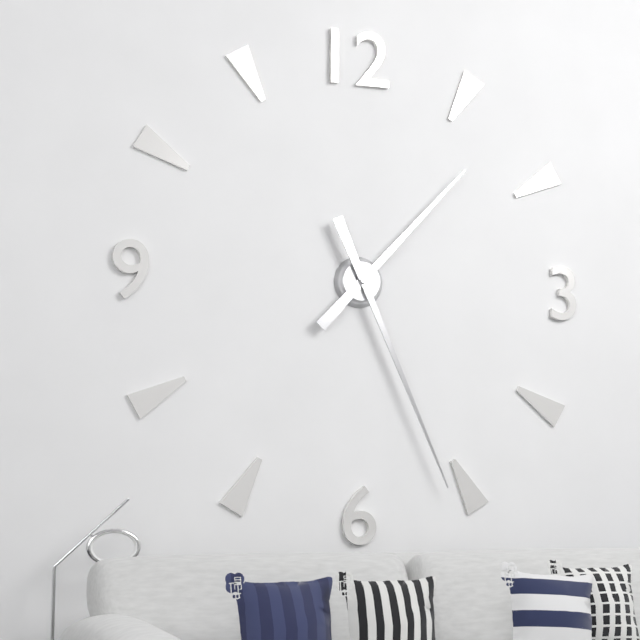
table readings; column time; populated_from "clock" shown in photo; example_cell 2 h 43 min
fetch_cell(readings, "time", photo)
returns 1 h 26 min
